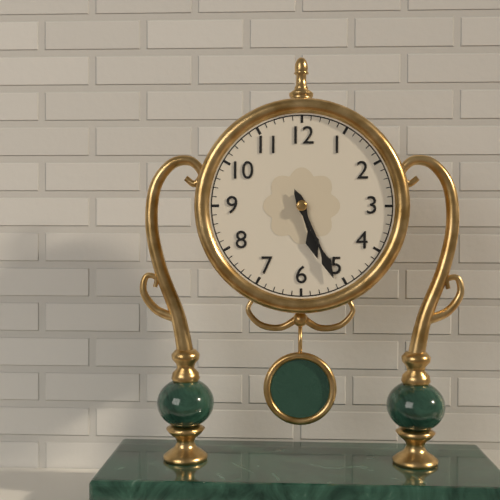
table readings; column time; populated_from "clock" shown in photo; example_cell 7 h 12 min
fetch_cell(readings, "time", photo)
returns 5 h 26 min
